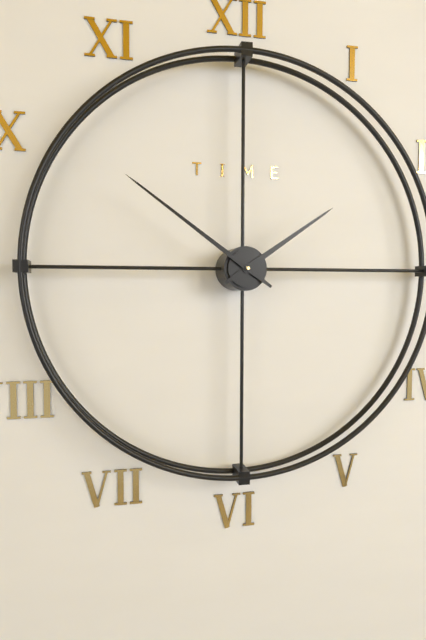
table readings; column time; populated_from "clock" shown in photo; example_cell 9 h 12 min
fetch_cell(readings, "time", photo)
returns 1 h 51 min
